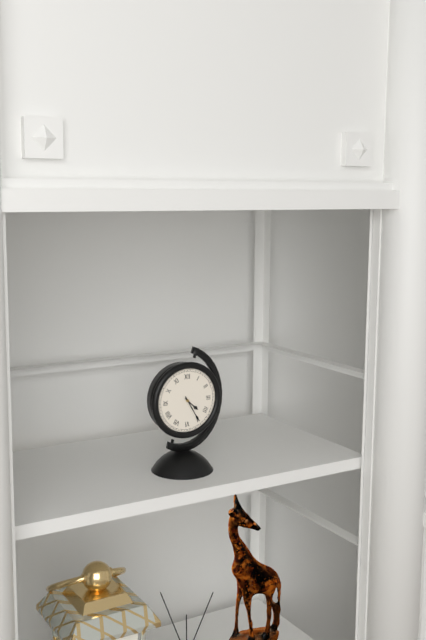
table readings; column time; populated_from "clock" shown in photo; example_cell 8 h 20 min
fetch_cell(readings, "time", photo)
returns 4 h 25 min
